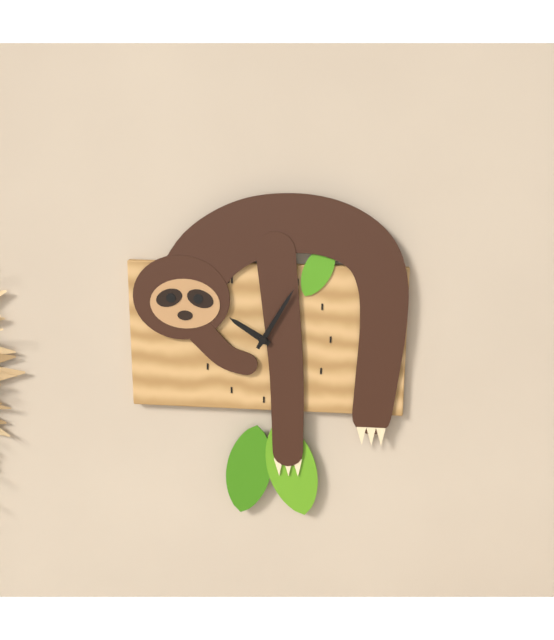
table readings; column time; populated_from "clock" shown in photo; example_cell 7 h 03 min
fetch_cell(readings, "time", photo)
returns 10 h 05 min
